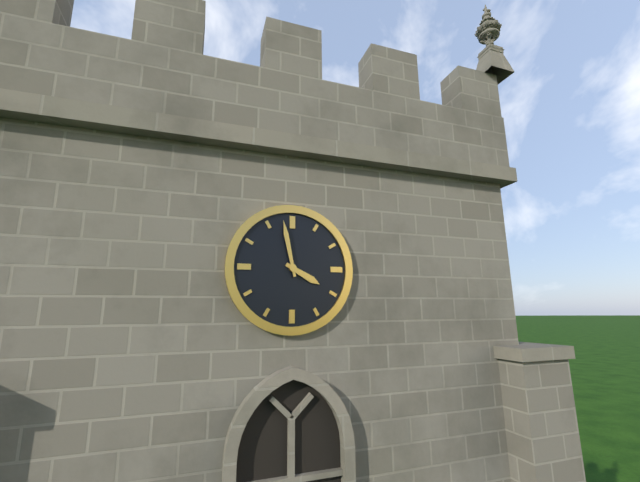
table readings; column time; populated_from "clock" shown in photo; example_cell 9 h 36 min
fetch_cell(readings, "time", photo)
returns 3 h 58 min
